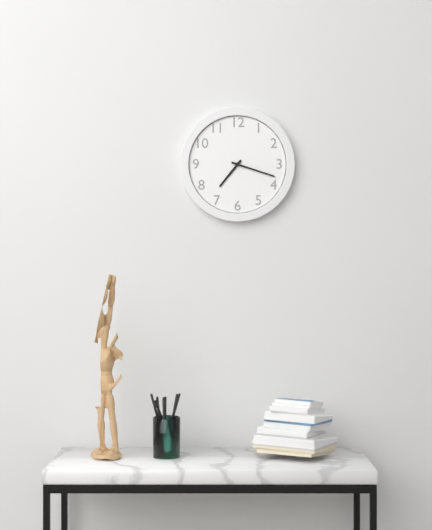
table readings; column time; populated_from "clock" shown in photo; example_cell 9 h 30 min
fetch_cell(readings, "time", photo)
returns 7 h 18 min
